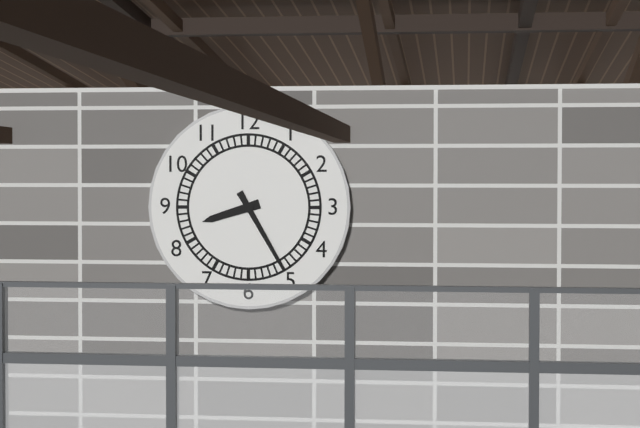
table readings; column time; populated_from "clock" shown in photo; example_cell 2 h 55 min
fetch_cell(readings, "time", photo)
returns 8 h 25 min
